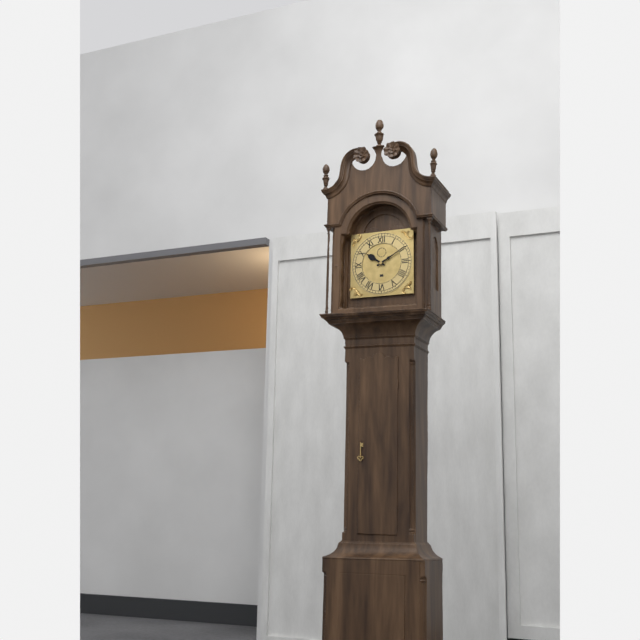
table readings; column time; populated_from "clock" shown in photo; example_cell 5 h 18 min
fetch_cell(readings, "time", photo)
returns 10 h 10 min
